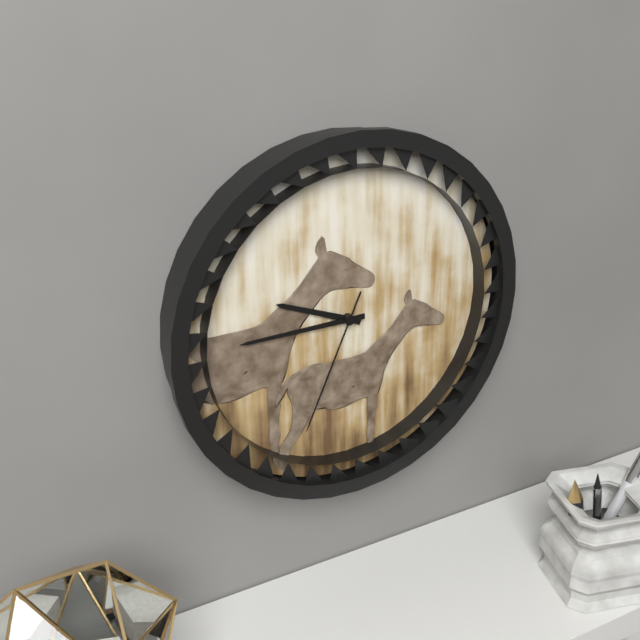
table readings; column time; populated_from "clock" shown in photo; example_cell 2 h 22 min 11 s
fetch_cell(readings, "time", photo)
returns 9 h 45 min 34 s
